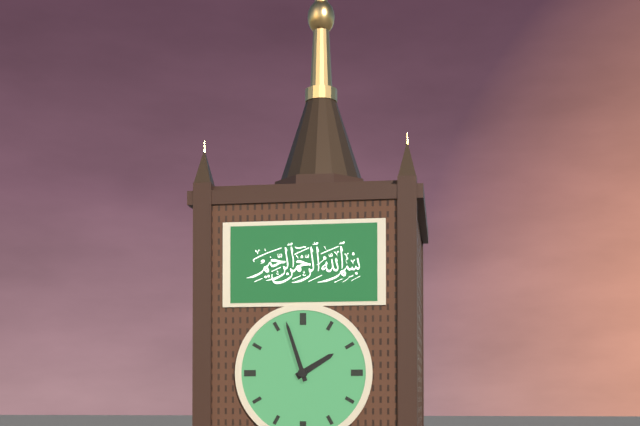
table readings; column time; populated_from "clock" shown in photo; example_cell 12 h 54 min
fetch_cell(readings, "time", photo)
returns 1 h 57 min
